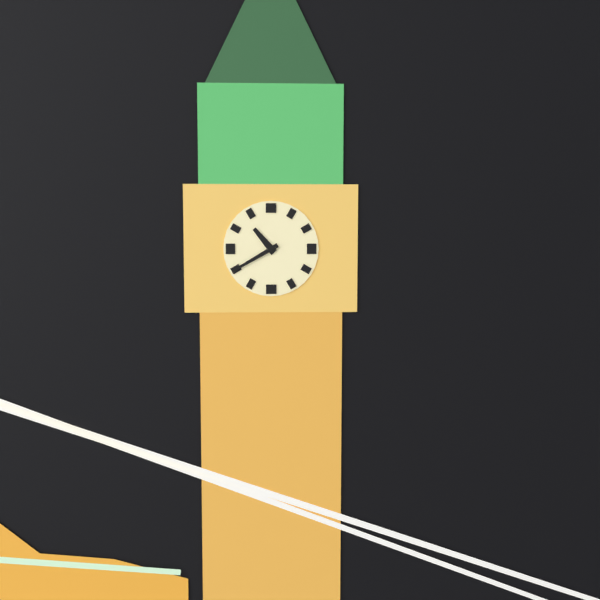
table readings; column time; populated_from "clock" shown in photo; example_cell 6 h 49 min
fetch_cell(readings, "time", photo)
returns 10 h 40 min
